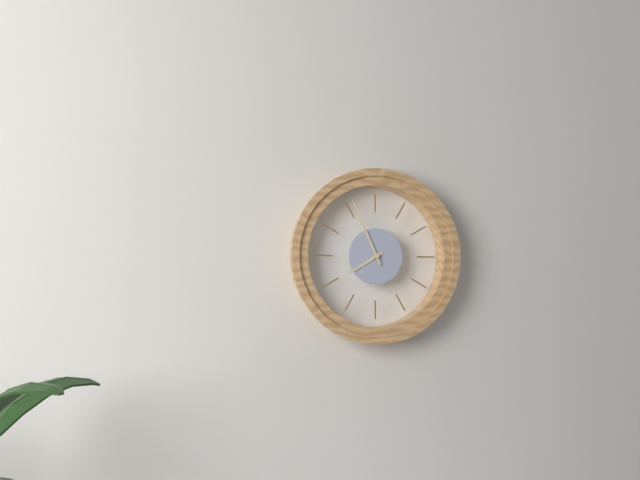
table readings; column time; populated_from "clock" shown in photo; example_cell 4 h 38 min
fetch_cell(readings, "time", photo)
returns 7 h 56 min
